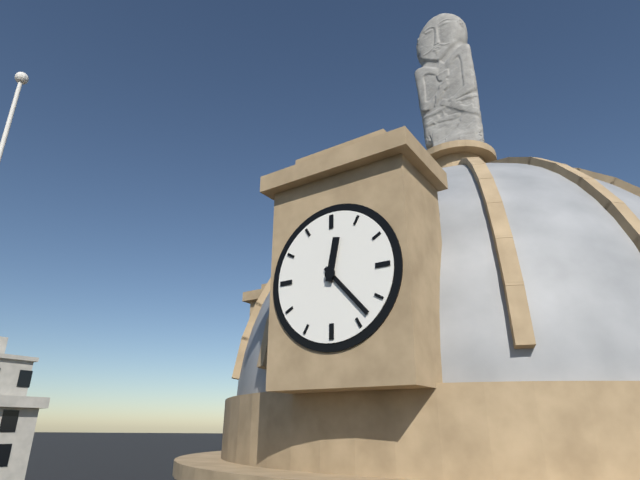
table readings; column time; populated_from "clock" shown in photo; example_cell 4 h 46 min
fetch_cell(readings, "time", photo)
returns 12 h 23 min
